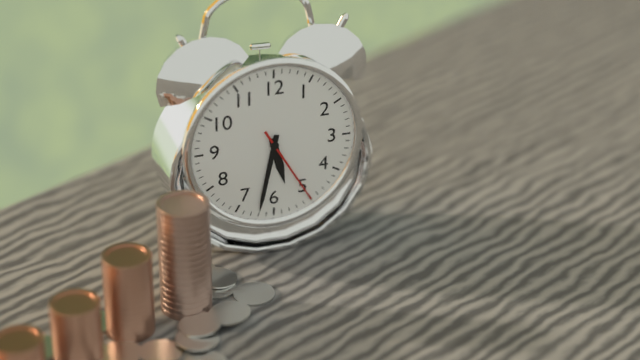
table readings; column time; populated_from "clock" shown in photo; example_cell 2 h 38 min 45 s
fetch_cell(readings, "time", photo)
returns 5 h 32 min 25 s
